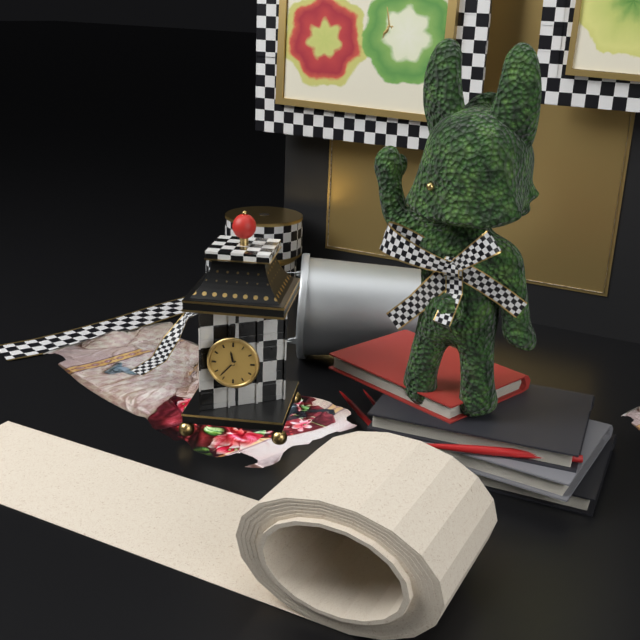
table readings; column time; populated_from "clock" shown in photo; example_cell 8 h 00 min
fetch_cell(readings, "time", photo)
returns 11 h 37 min
